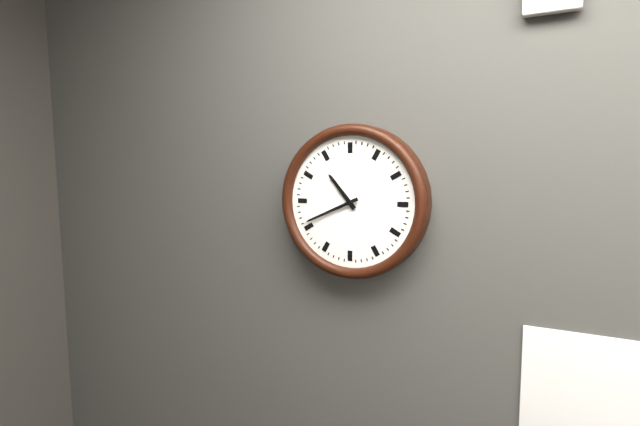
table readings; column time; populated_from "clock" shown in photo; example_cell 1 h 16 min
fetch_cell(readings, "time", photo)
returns 10 h 41 min
